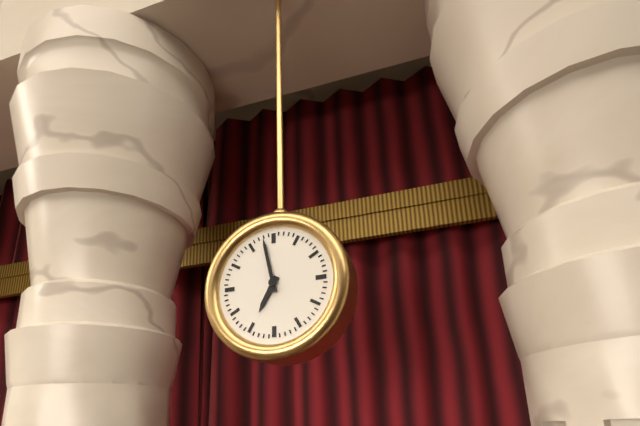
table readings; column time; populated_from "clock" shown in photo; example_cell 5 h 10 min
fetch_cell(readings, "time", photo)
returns 6 h 58 min
